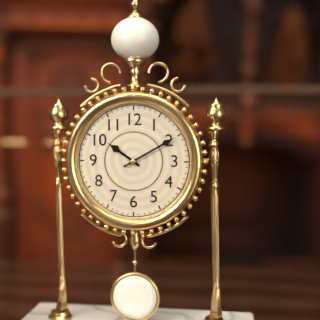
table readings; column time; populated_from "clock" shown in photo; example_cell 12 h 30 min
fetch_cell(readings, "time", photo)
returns 10 h 10 min
